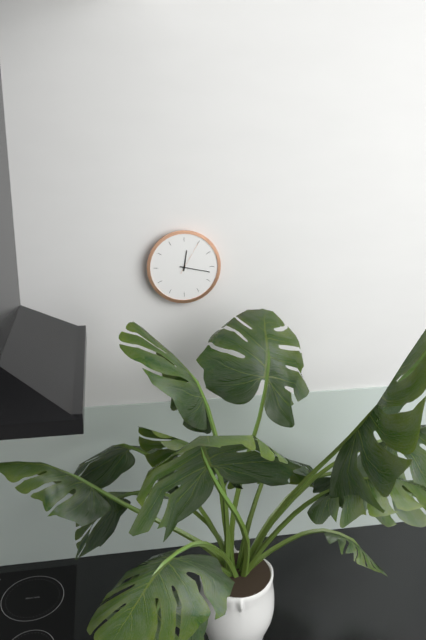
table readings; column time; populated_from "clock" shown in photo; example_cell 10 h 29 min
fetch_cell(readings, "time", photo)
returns 12 h 17 min
